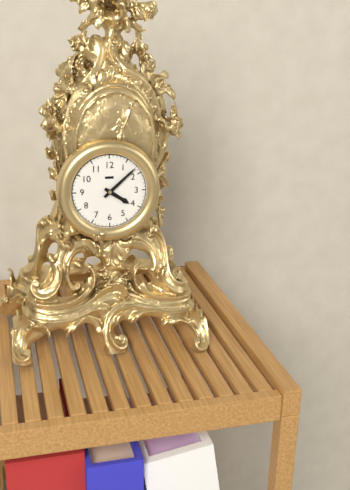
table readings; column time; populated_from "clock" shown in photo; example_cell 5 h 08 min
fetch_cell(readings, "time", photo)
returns 4 h 08 min
